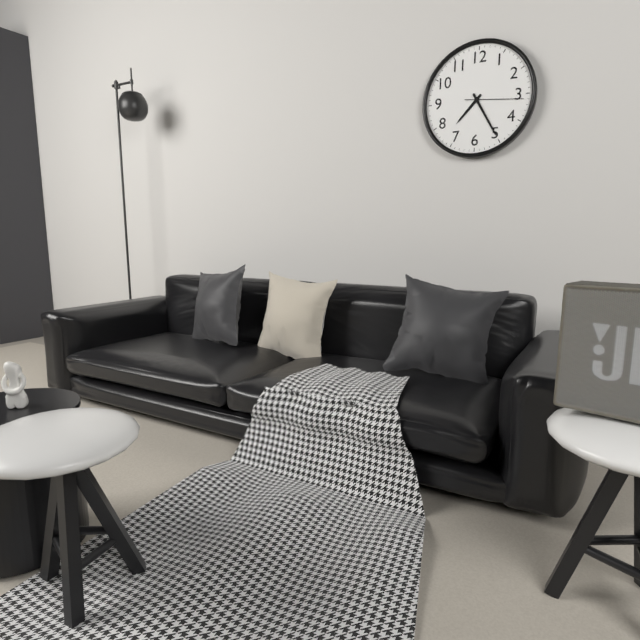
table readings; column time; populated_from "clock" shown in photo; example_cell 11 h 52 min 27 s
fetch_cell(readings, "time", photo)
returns 7 h 25 min 16 s
